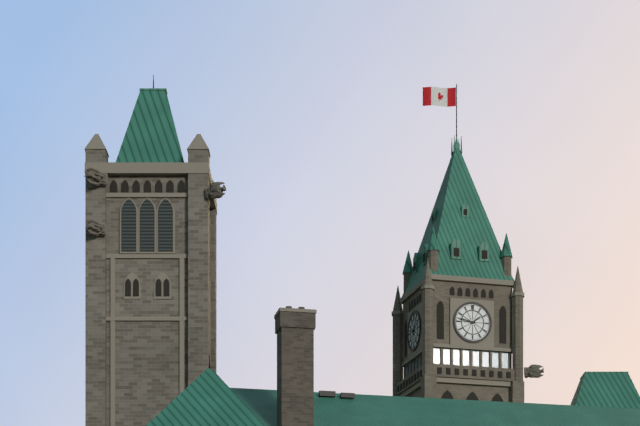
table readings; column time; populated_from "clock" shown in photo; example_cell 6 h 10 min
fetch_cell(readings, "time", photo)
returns 1 h 47 min
